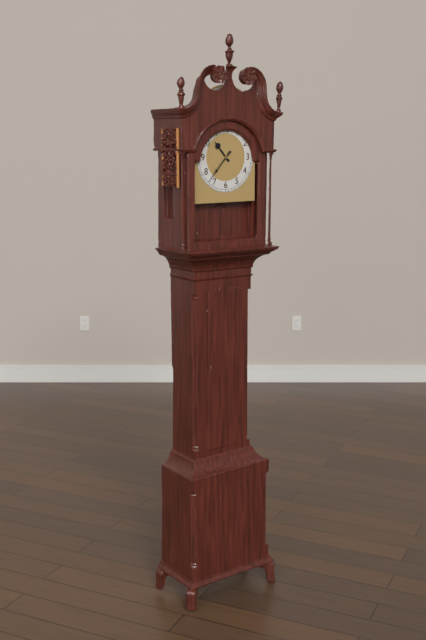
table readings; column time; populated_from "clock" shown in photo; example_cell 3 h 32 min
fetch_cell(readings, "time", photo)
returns 10 h 37 min
